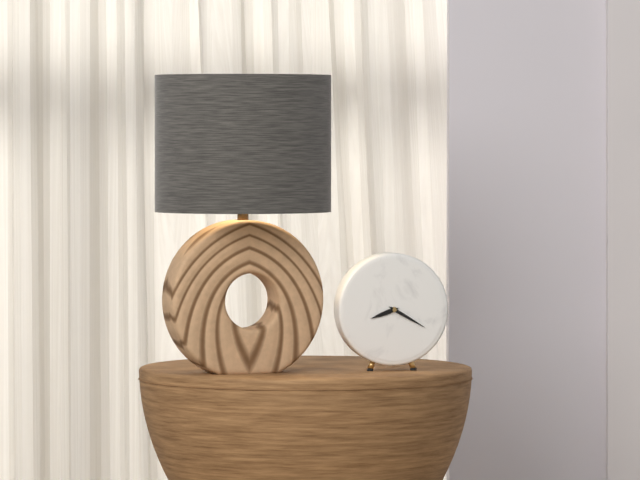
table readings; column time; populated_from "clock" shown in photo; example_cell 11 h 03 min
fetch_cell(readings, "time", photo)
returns 8 h 20 min
